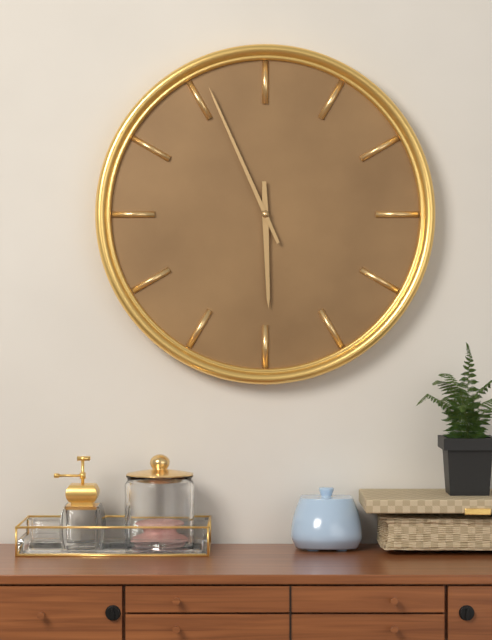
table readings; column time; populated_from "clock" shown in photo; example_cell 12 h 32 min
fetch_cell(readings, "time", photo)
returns 5 h 56 min
